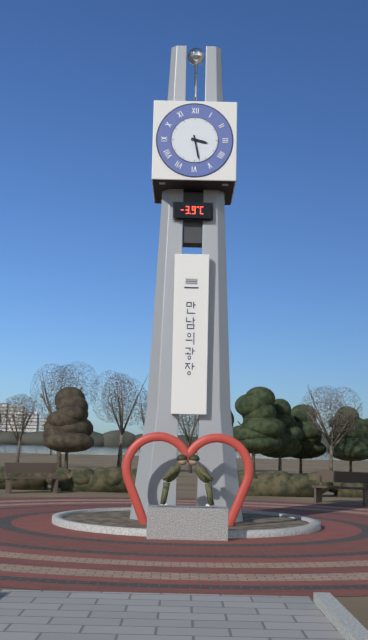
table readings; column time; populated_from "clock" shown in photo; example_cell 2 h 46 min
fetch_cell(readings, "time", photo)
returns 3 h 28 min
